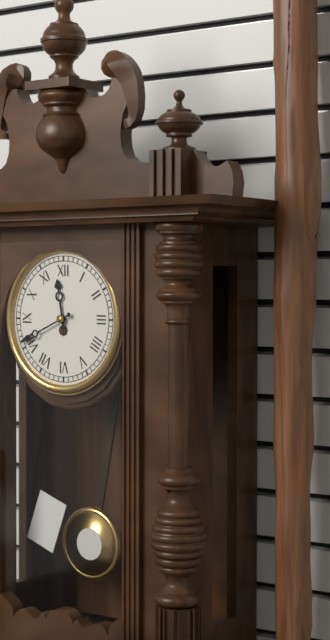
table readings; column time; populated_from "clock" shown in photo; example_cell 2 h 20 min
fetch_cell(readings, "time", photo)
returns 11 h 41 min
